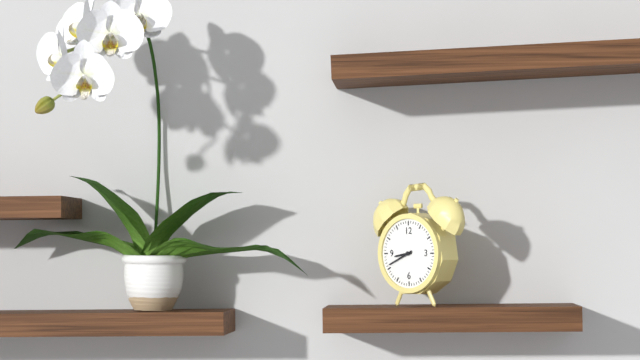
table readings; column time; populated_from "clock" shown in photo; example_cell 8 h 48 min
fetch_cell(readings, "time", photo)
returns 8 h 41 min
